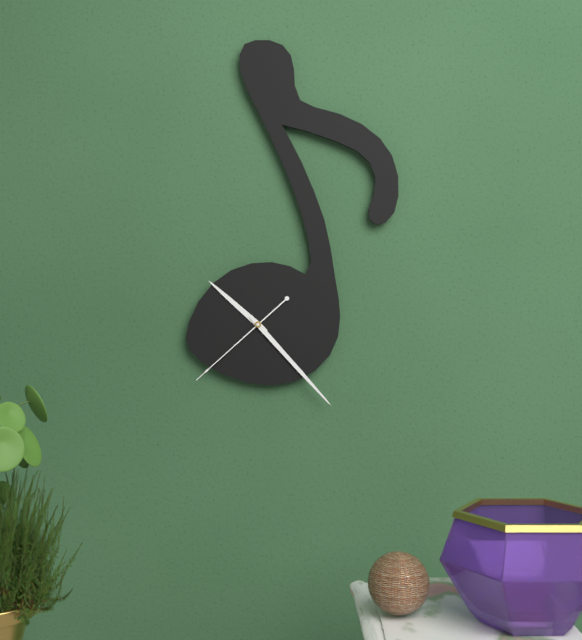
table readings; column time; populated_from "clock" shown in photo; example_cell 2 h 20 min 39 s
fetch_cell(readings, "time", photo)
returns 10 h 23 min 38 s
